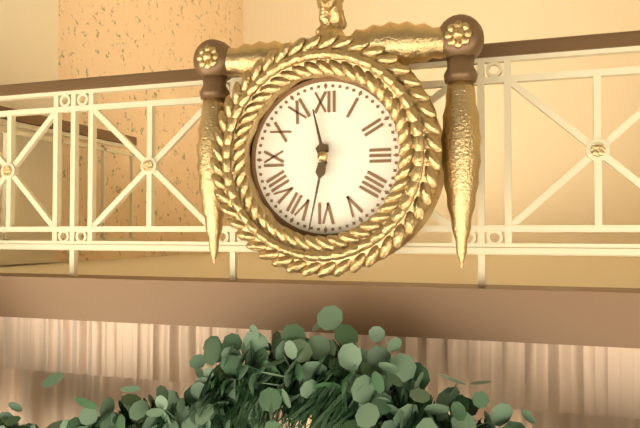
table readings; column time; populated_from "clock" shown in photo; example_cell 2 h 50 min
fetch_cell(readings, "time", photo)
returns 11 h 32 min
